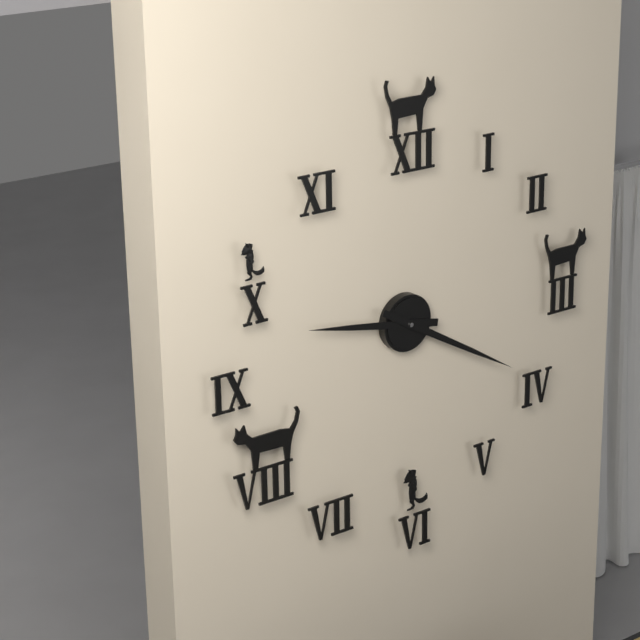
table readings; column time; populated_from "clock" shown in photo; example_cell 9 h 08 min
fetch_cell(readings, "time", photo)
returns 9 h 20 min
